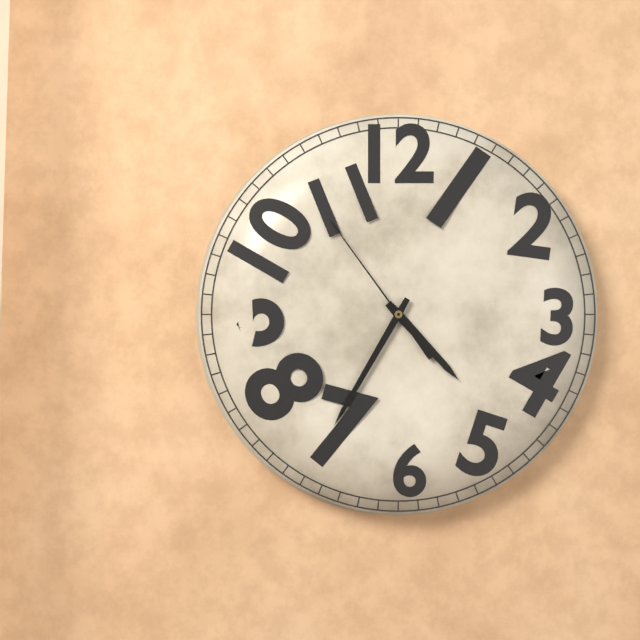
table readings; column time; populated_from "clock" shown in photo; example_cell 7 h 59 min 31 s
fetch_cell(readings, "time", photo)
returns 4 h 35 min 54 s
